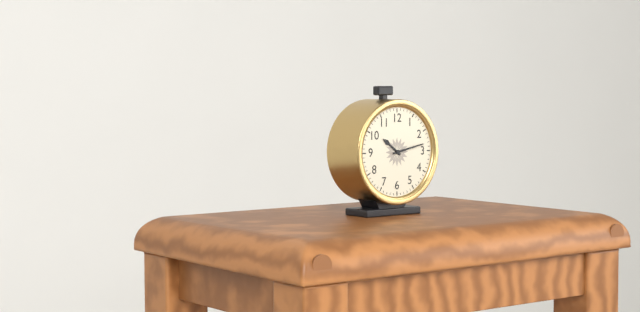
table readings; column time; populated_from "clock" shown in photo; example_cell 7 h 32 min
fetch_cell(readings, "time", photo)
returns 10 h 13 min
